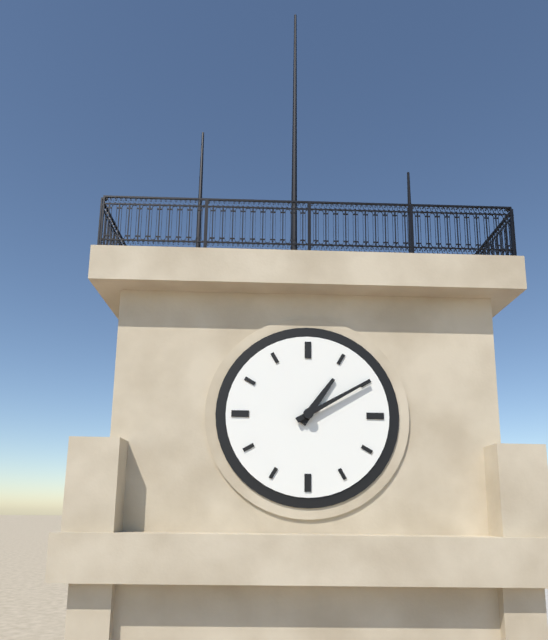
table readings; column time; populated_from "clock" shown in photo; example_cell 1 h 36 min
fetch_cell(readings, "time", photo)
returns 1 h 10 min
